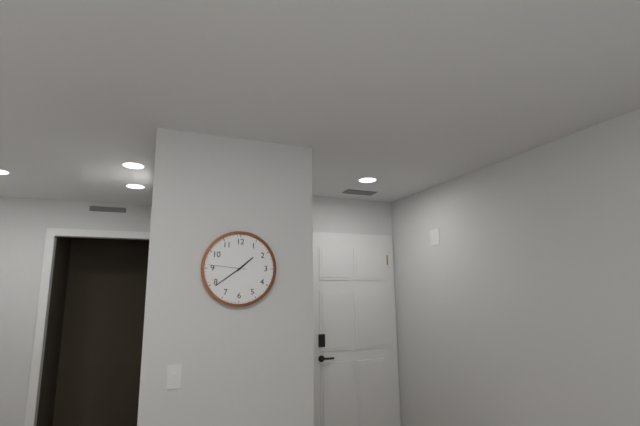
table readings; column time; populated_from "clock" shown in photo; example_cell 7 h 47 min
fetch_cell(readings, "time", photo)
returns 1 h 39 min
